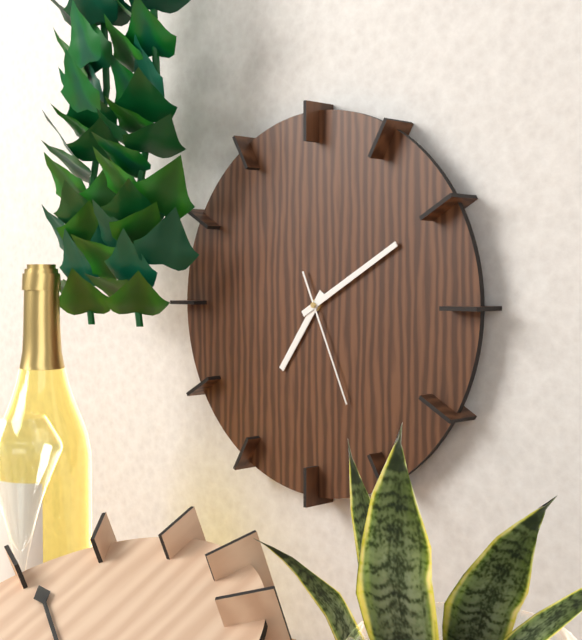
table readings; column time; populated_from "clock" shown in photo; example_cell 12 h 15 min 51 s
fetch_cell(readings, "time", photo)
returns 7 h 10 min 26 s
